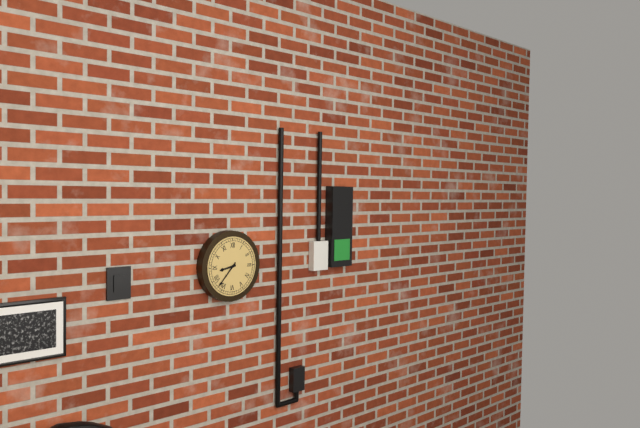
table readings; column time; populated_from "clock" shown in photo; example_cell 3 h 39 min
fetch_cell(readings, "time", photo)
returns 8 h 37 min
